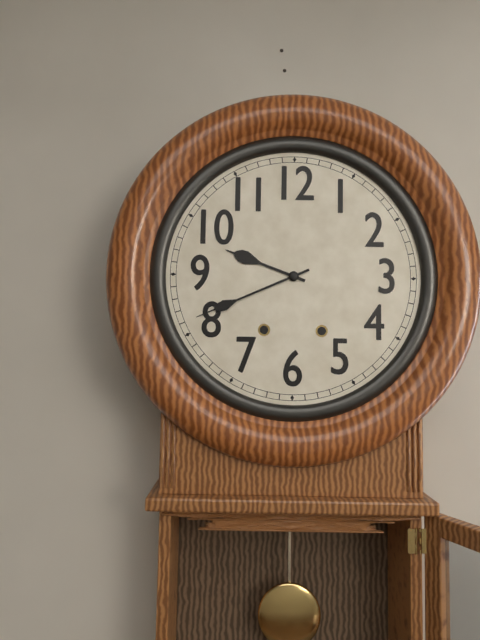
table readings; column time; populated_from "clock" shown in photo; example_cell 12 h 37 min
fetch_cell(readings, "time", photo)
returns 9 h 41 min
